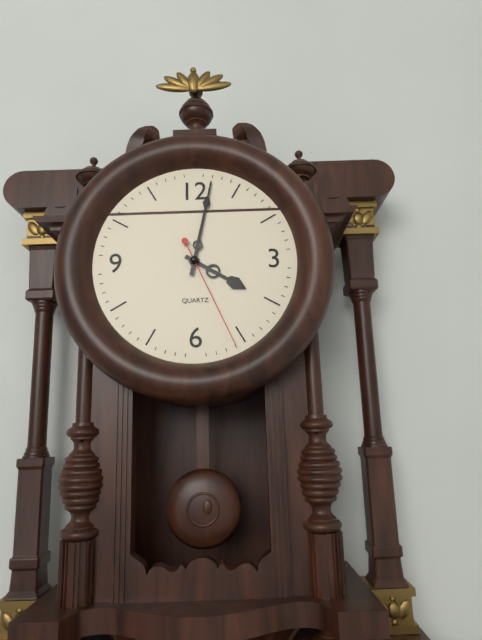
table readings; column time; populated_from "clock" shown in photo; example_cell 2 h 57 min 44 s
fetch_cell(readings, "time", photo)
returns 4 h 02 min 26 s
